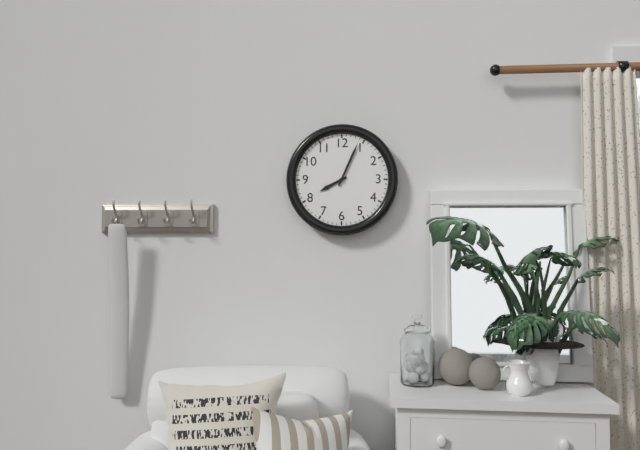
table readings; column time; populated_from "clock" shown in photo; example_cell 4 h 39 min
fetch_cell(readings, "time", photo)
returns 8 h 04 min
